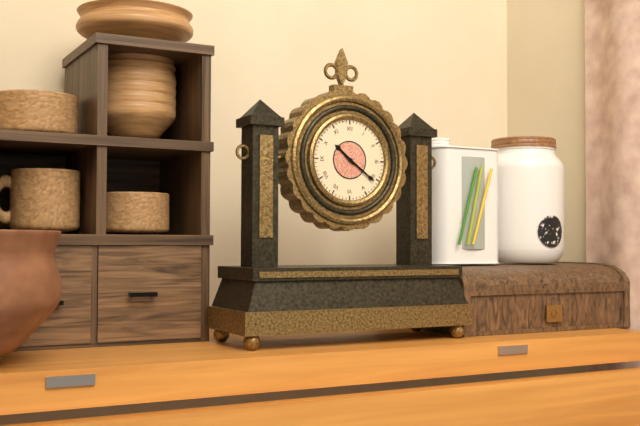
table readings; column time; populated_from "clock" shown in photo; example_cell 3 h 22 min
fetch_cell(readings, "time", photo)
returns 10 h 21 min
